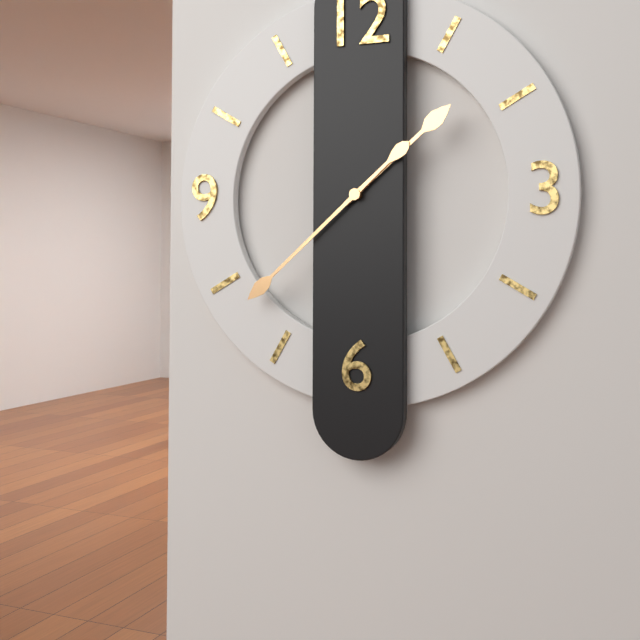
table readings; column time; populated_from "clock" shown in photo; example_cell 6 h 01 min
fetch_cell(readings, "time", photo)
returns 1 h 38 min
